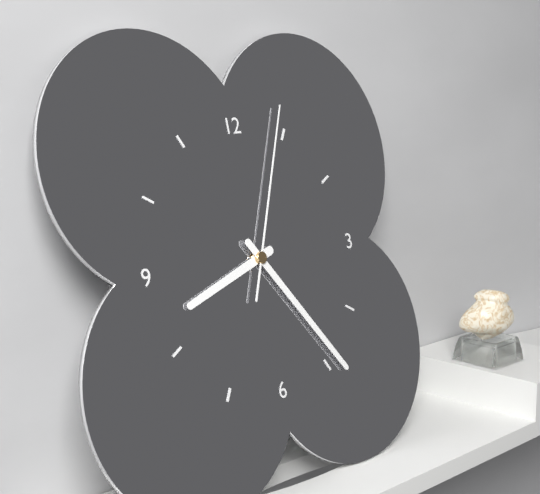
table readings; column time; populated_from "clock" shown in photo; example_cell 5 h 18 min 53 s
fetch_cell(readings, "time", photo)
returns 8 h 24 min 04 s
